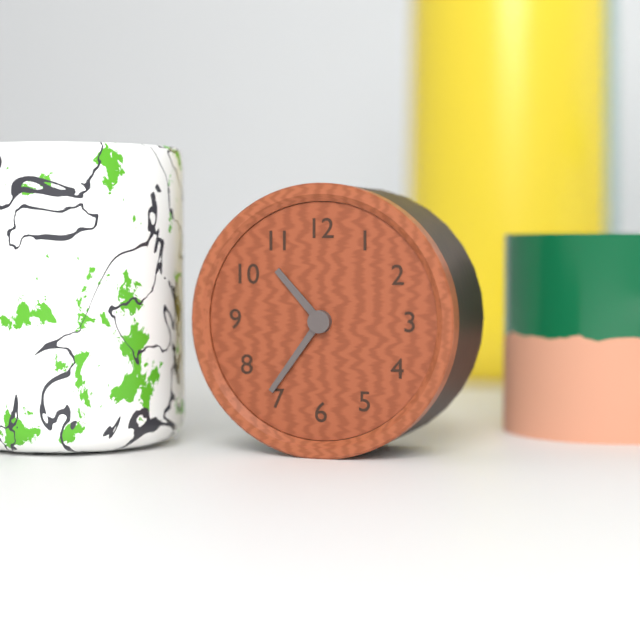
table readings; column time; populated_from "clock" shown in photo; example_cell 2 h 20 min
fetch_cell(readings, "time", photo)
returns 10 h 36 min
